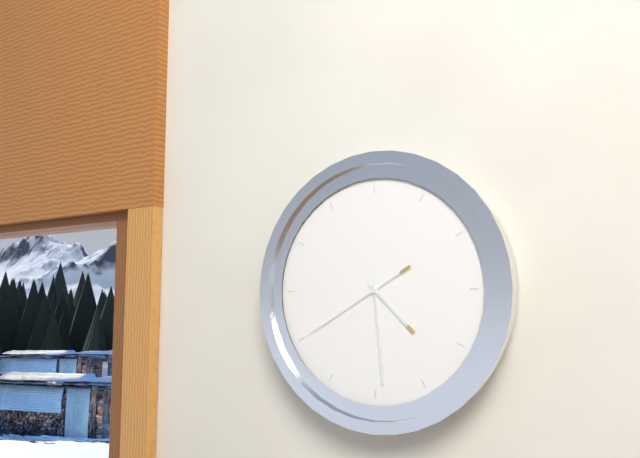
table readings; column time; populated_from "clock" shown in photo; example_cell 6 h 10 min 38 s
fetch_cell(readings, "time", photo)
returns 4 h 29 min 40 s
